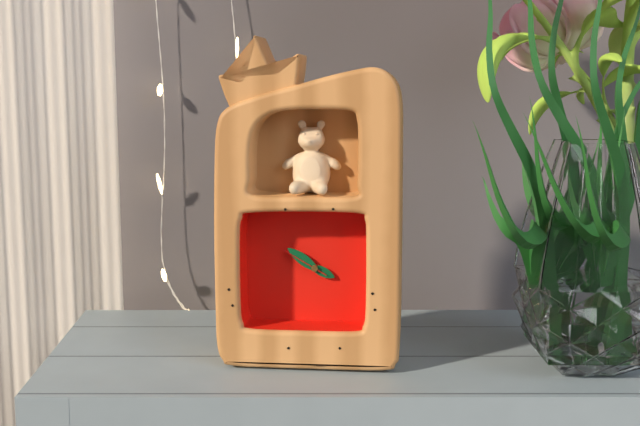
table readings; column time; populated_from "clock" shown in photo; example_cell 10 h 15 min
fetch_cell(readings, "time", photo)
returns 3 h 51 min
